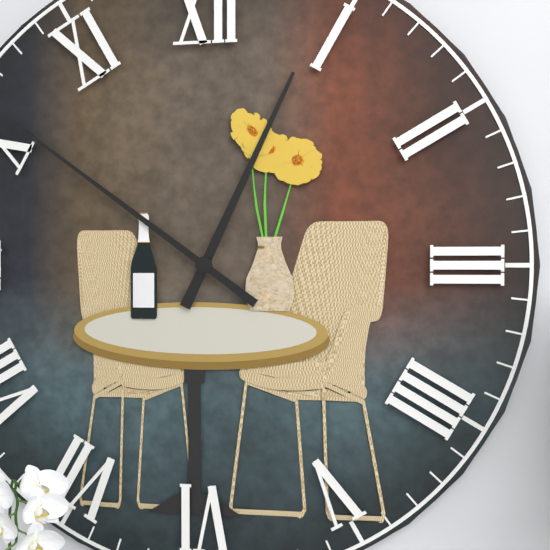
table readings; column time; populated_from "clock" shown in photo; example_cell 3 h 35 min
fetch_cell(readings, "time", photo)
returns 12 h 51 min
